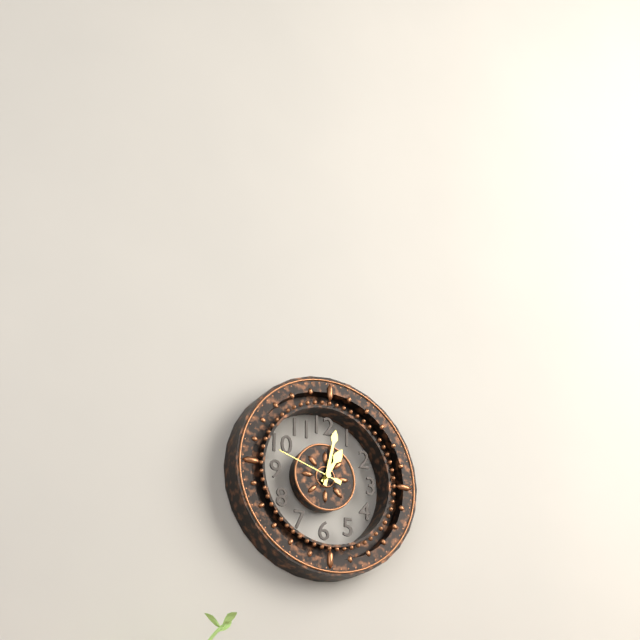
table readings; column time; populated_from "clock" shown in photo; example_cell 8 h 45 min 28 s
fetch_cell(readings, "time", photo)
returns 1 h 02 min 48 s
